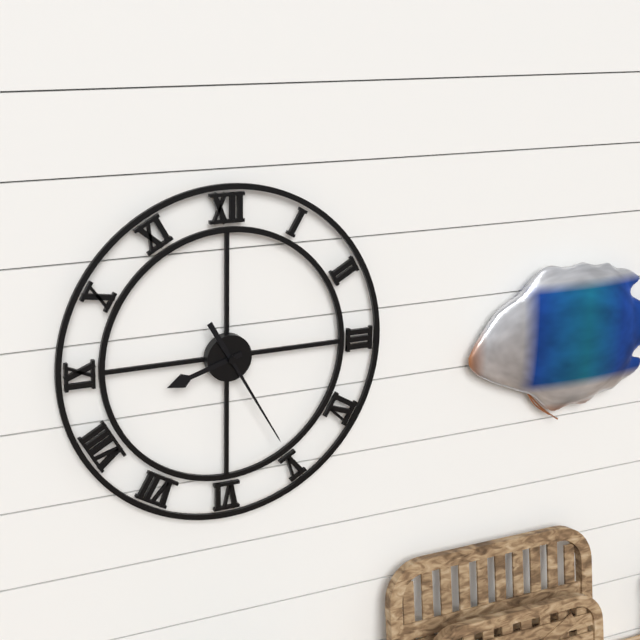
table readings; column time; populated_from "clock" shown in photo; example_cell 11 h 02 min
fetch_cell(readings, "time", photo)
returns 8 h 25 min
